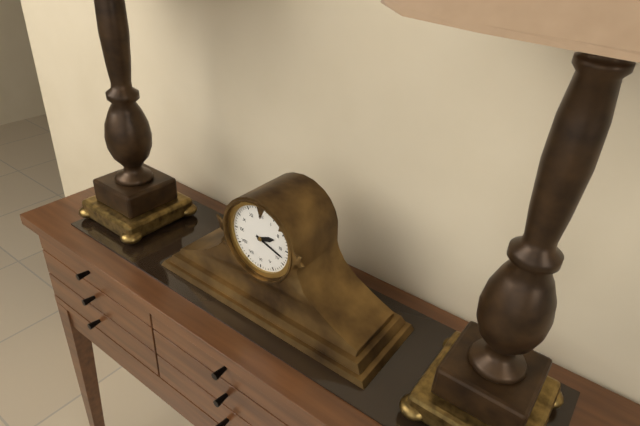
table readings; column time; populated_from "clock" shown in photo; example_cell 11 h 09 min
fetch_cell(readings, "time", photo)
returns 2 h 18 min
